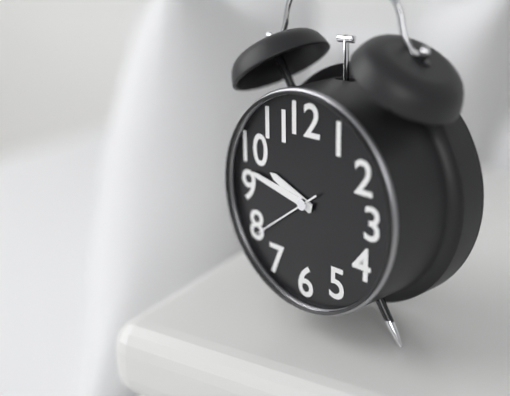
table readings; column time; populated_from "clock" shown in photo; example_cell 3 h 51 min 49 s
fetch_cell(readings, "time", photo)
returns 9 h 47 min 39 s
